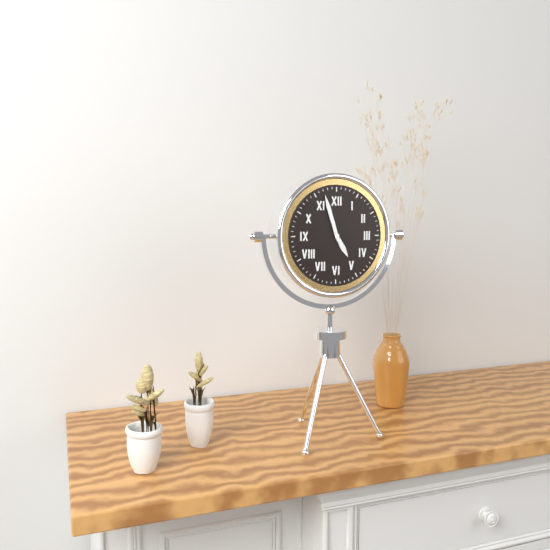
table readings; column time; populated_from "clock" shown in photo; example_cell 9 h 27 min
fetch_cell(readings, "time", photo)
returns 4 h 57 min
